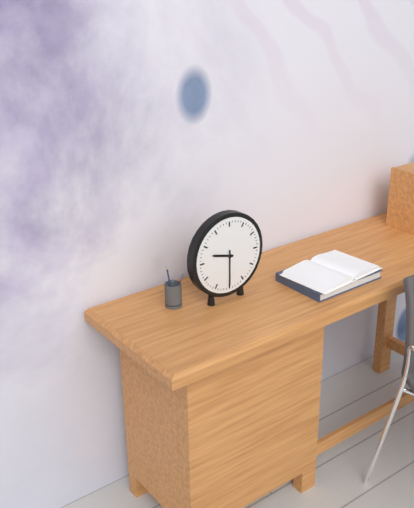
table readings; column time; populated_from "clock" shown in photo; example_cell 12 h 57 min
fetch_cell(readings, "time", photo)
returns 9 h 30 min
